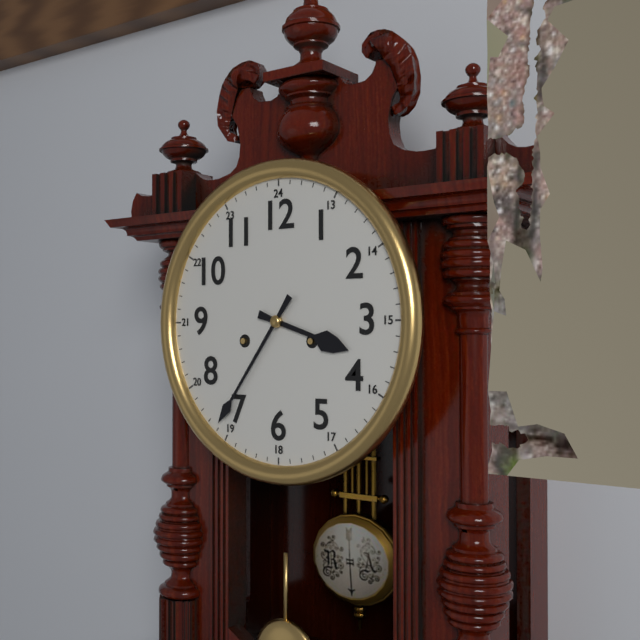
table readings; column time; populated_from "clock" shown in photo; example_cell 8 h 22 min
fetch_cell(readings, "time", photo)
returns 3 h 36 min
